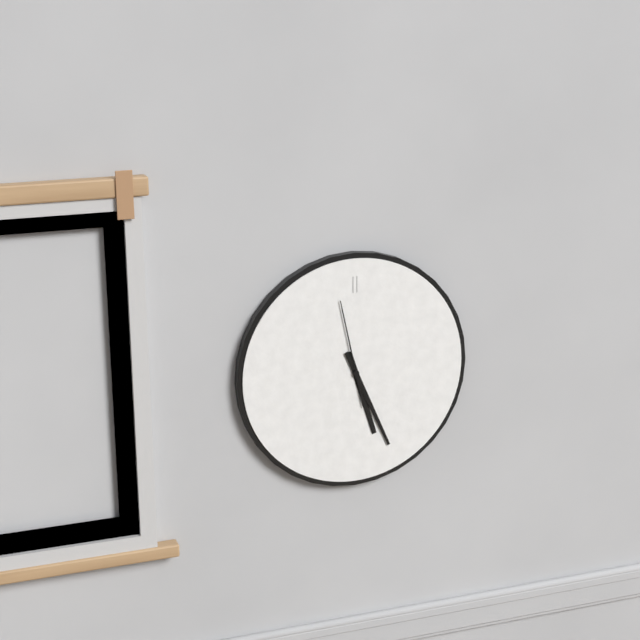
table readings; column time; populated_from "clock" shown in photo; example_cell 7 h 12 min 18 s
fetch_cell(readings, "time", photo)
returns 5 h 26 min 58 s
